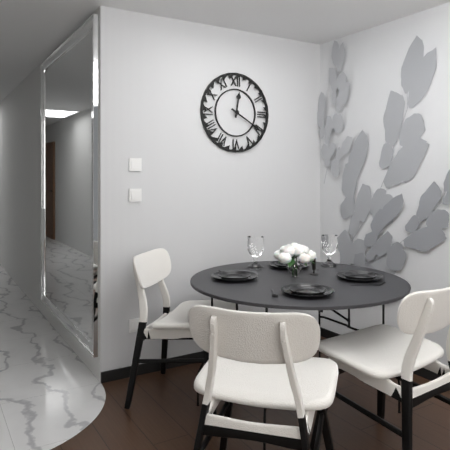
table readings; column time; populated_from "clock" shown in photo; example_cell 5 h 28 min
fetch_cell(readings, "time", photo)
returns 12 h 20 min
